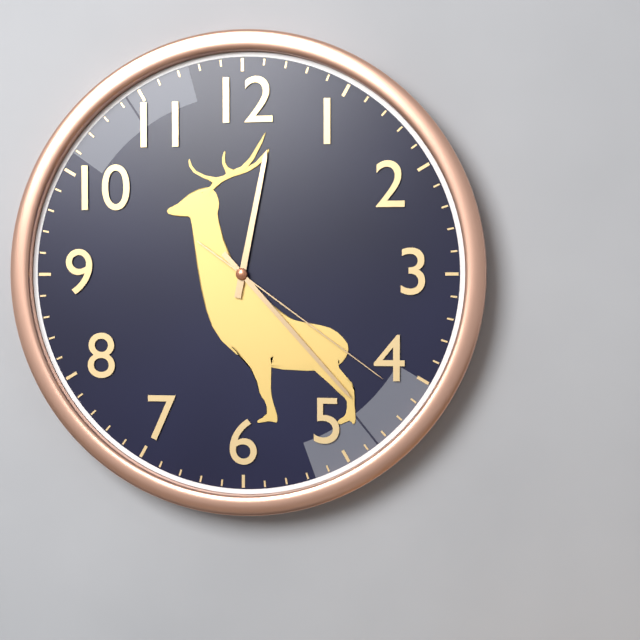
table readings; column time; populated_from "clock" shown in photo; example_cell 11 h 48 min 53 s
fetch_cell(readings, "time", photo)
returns 12 h 23 min 21 s
